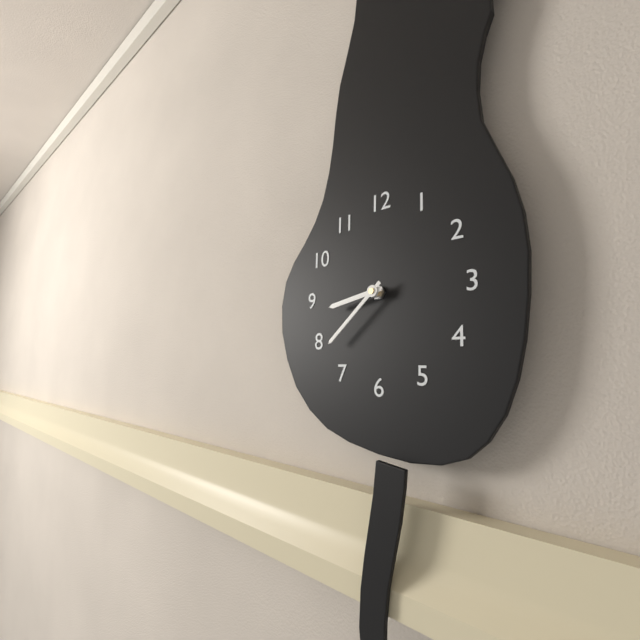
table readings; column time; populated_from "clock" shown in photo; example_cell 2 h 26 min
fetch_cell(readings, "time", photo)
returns 8 h 38 min
